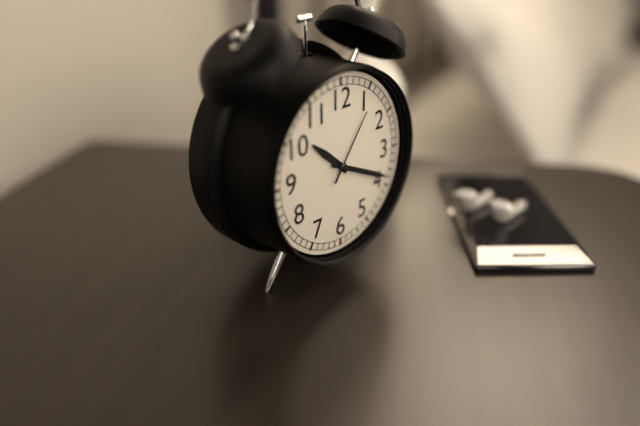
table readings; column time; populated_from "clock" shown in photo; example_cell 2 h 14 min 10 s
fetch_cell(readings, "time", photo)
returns 10 h 19 min 06 s
